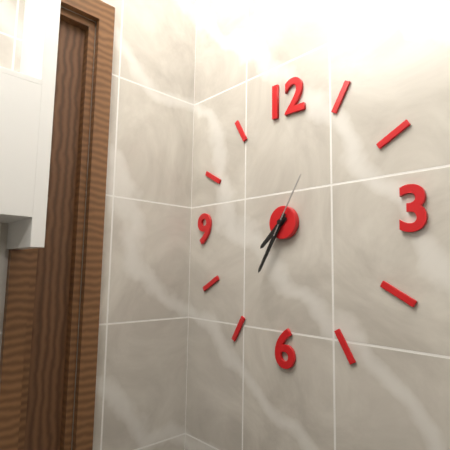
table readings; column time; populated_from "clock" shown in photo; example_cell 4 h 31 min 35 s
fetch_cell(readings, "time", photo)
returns 7 h 35 min 05 s
